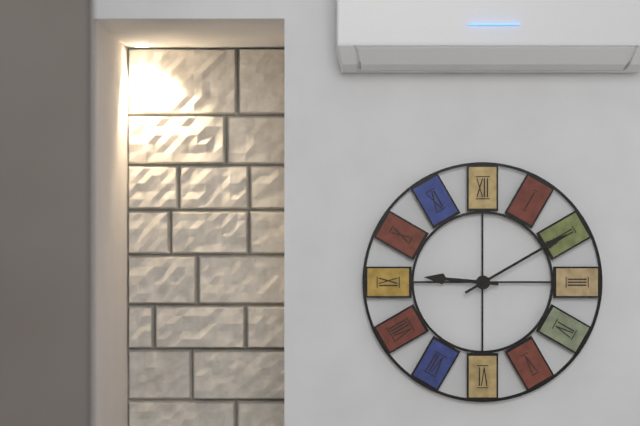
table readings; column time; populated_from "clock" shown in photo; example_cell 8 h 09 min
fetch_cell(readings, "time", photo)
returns 9 h 10 min
